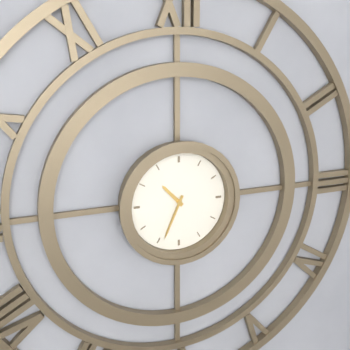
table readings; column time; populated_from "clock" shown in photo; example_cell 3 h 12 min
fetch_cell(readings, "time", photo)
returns 10 h 34 min
